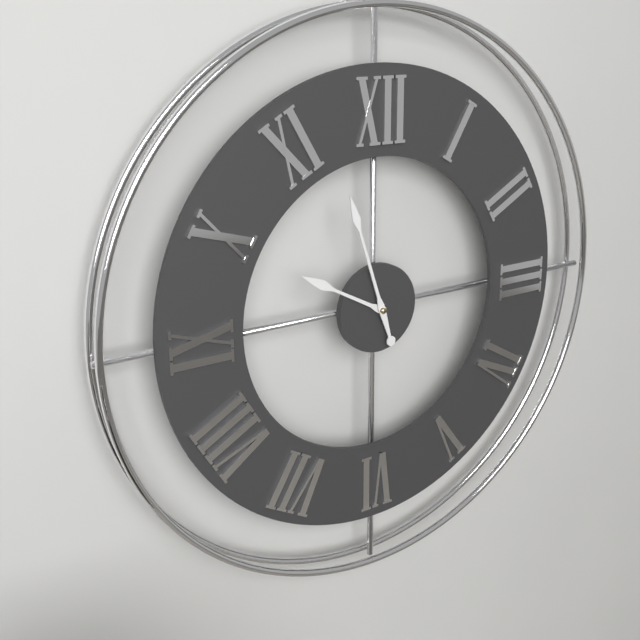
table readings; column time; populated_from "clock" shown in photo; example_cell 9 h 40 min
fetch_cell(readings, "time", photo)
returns 9 h 57 min
